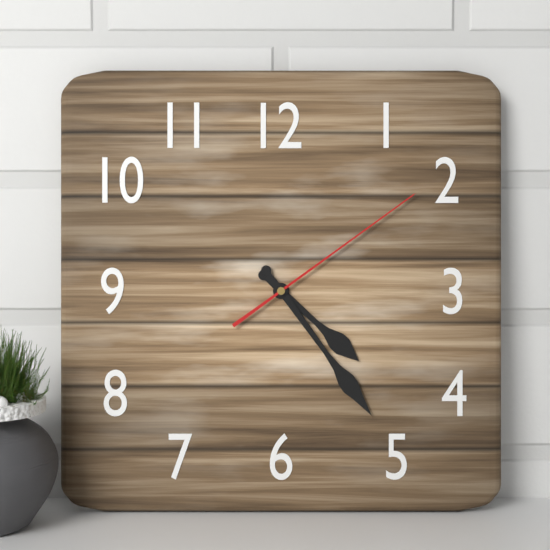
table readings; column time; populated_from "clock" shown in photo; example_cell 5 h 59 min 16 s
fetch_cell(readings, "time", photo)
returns 4 h 24 min 09 s
